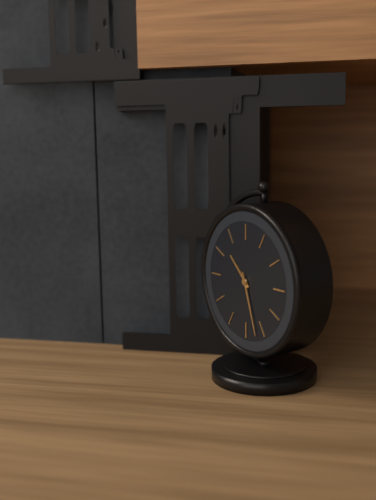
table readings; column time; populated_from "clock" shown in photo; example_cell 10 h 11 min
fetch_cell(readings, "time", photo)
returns 10 h 27 min
